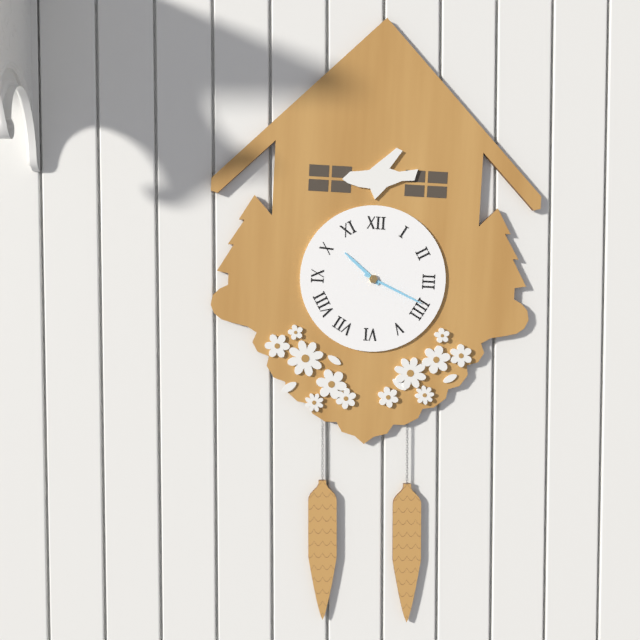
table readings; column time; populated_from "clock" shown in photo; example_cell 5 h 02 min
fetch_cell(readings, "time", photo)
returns 10 h 19 min
